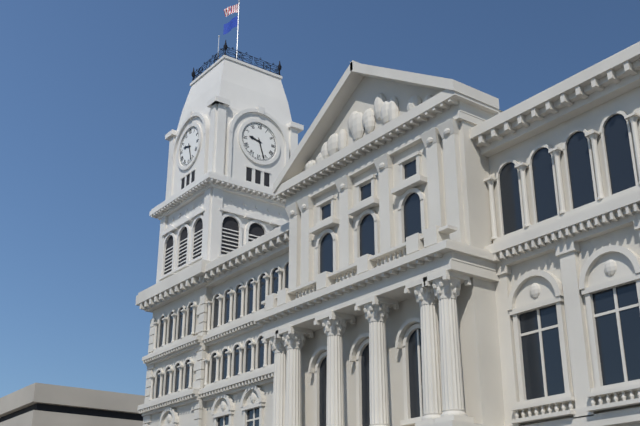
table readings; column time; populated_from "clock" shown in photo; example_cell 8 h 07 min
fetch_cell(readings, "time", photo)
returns 9 h 27 min
